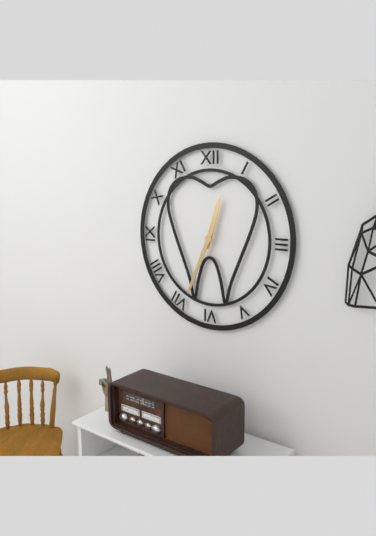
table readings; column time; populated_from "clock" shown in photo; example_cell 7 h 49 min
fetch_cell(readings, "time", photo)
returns 12 h 34 min
